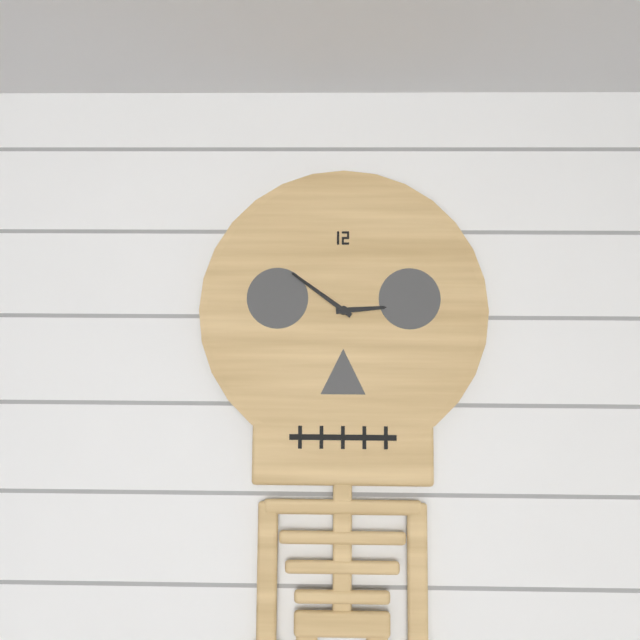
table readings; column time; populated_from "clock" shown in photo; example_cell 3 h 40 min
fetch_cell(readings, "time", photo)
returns 2 h 51 min
